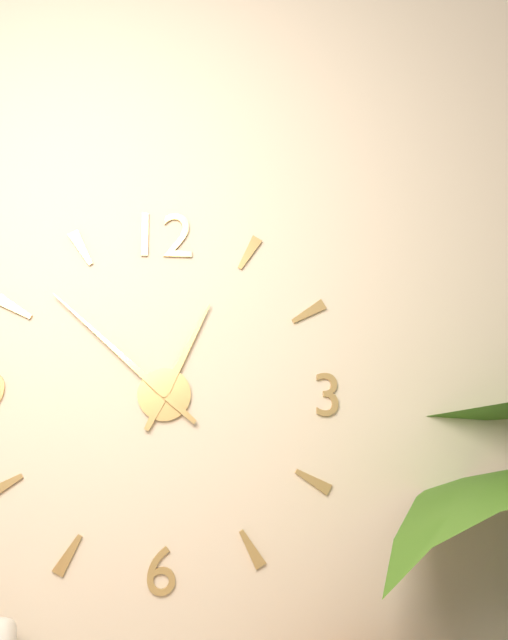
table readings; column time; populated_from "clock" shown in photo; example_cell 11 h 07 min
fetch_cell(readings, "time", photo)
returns 12 h 52 min
